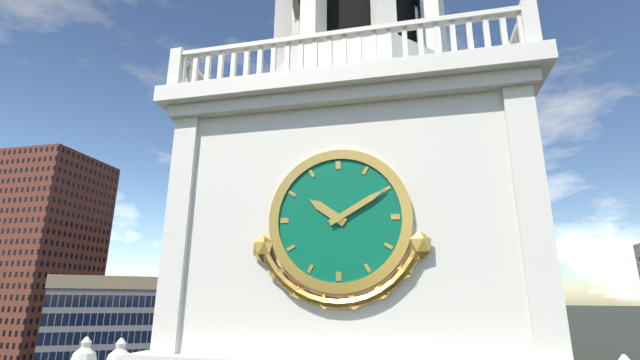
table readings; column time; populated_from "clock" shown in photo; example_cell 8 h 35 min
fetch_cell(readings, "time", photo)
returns 10 h 10 min
